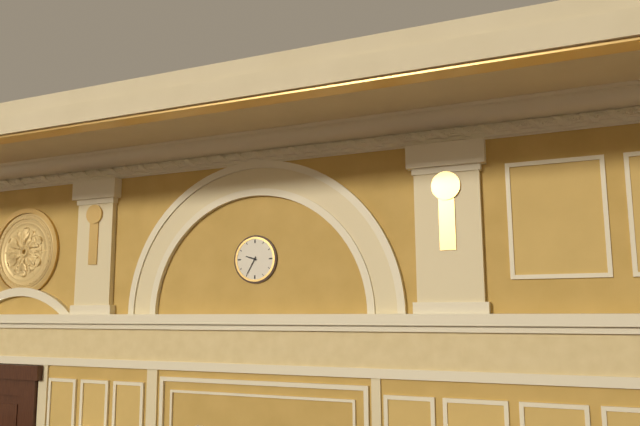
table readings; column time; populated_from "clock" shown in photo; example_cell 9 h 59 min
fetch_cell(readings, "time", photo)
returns 9 h 35 min
